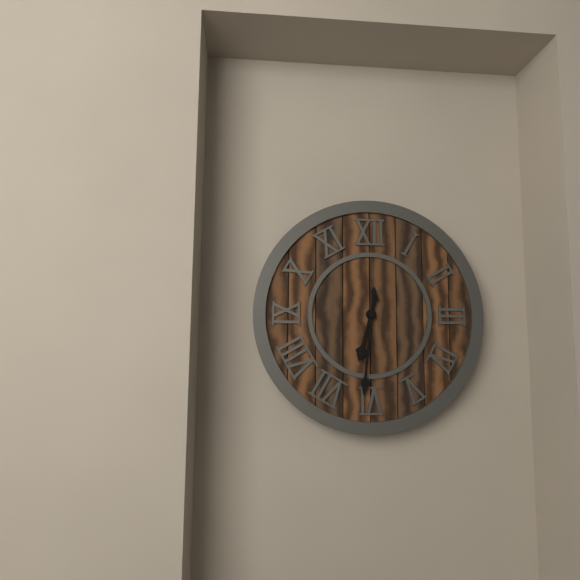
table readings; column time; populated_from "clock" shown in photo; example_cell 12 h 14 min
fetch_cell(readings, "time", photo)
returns 6 h 31 min
